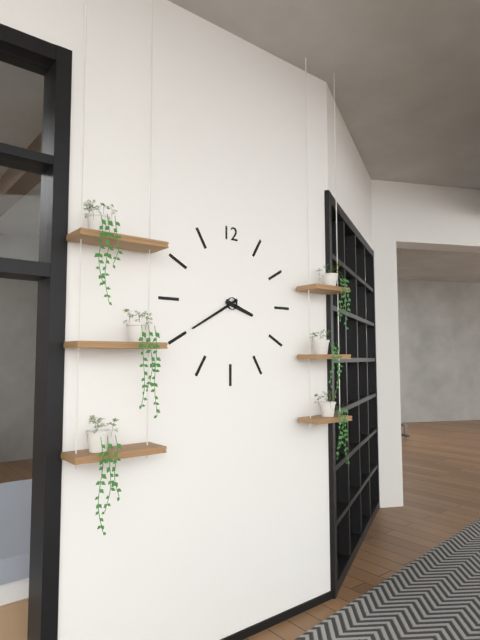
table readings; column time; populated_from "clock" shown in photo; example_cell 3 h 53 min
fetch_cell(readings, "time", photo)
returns 3 h 40 min
